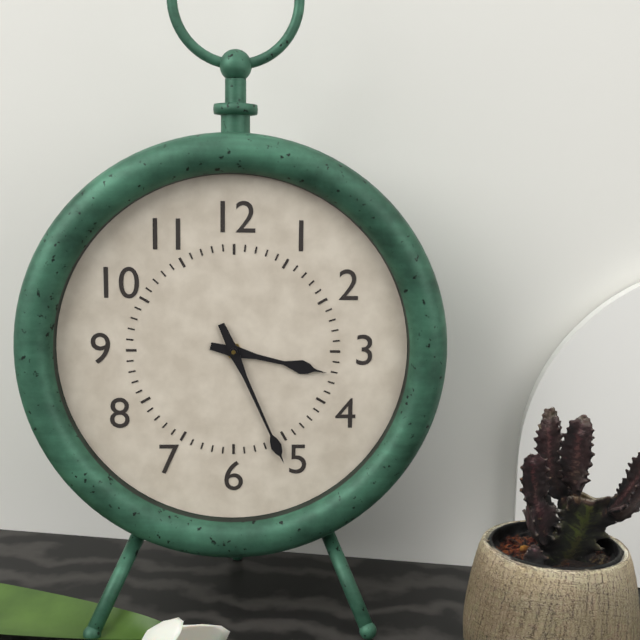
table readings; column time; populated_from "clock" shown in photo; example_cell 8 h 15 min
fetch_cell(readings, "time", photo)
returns 3 h 26 min
